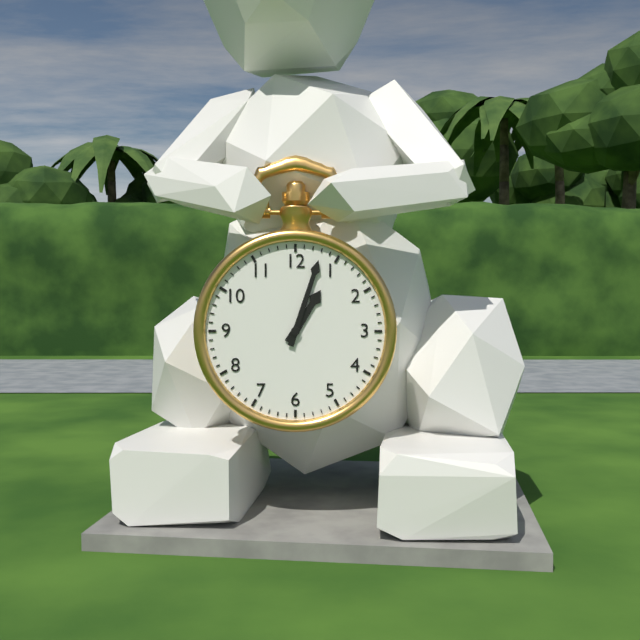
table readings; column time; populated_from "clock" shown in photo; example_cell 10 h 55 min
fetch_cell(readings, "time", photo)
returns 1 h 03 min
